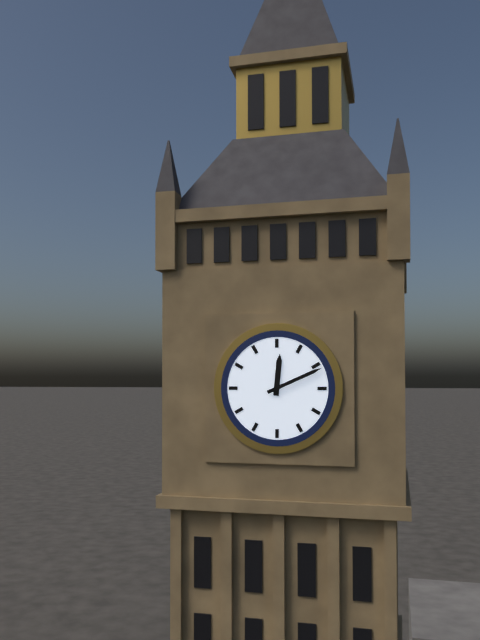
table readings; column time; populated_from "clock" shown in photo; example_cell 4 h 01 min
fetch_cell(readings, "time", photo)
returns 12 h 11 min
